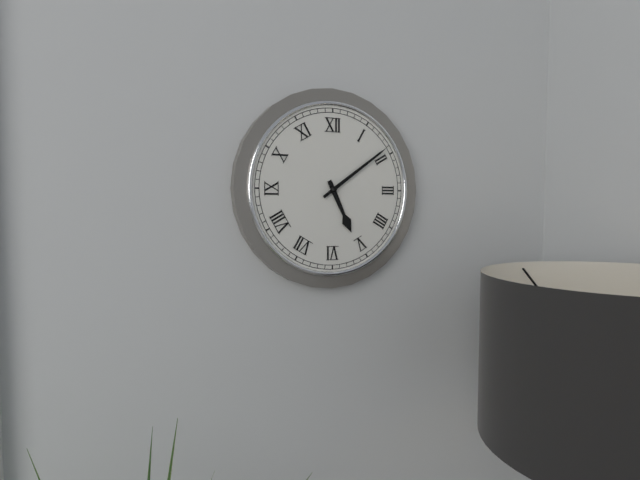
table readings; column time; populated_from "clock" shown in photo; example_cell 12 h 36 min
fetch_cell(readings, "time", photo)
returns 5 h 09 min
